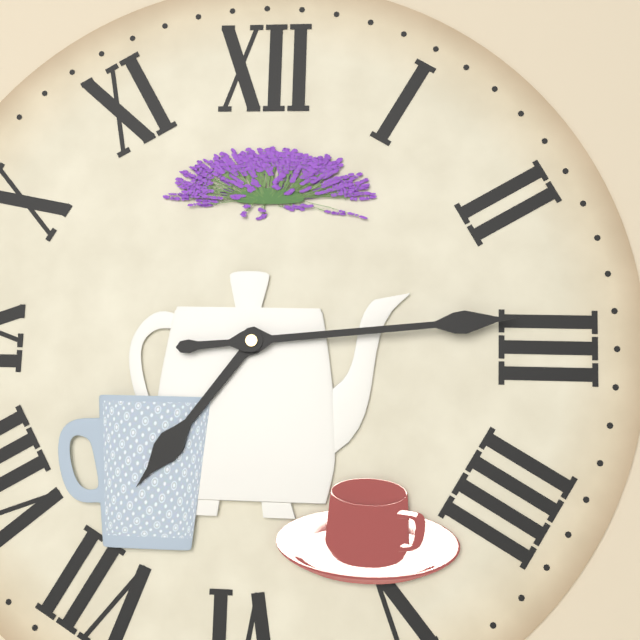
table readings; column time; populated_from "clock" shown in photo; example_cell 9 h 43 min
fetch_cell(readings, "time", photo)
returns 7 h 14 min
